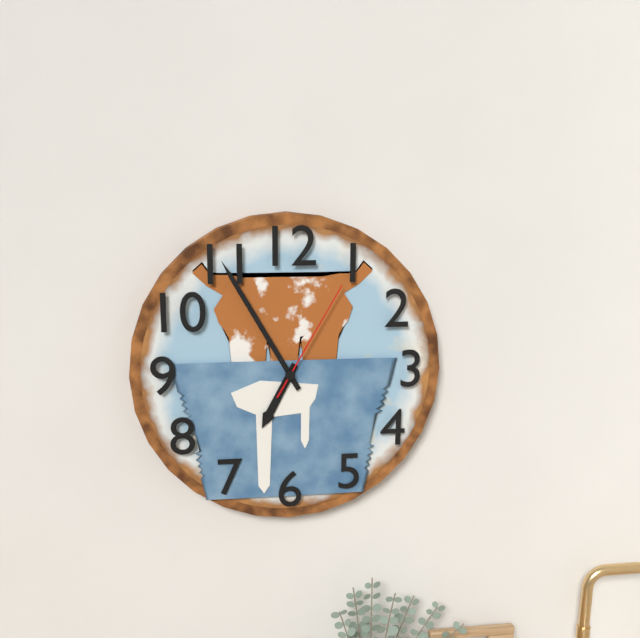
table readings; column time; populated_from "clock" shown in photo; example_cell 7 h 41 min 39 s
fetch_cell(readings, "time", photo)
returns 6 h 55 min 05 s
